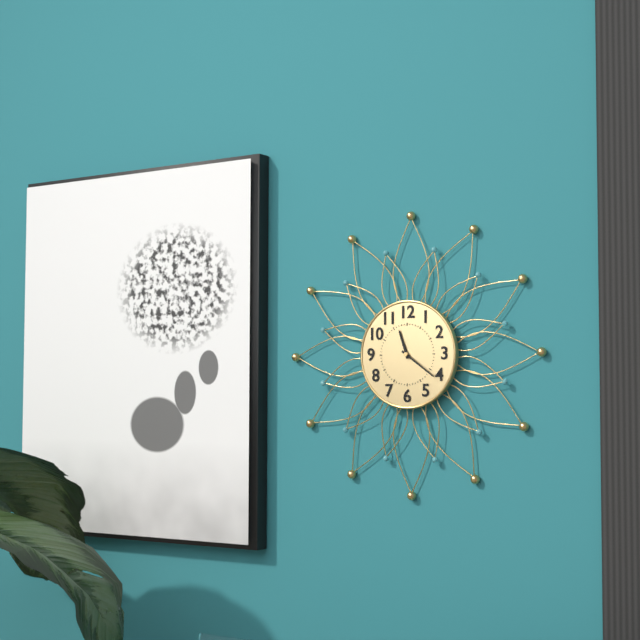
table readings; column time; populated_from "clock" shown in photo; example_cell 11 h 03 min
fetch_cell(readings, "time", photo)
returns 11 h 21 min
